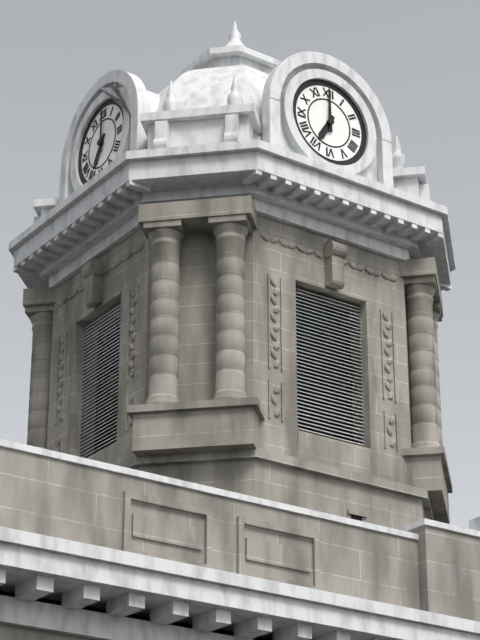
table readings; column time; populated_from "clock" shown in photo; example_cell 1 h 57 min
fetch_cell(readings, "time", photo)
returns 7 h 00 min
